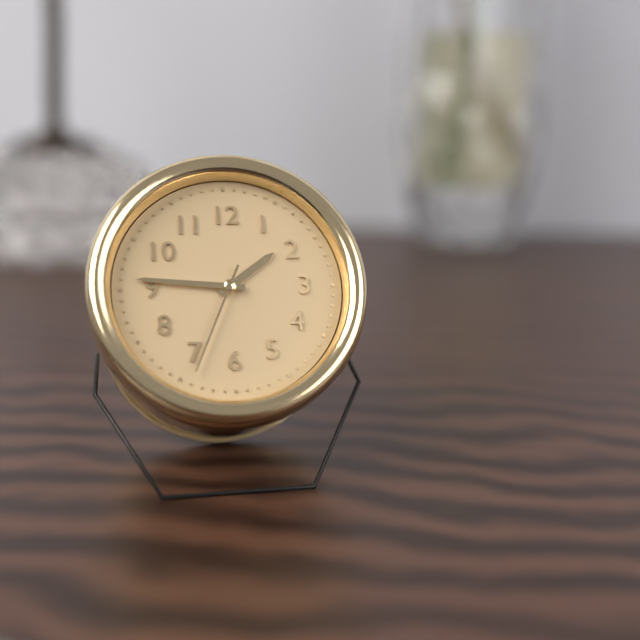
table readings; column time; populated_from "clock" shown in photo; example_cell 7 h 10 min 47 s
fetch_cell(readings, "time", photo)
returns 1 h 46 min 34 s
